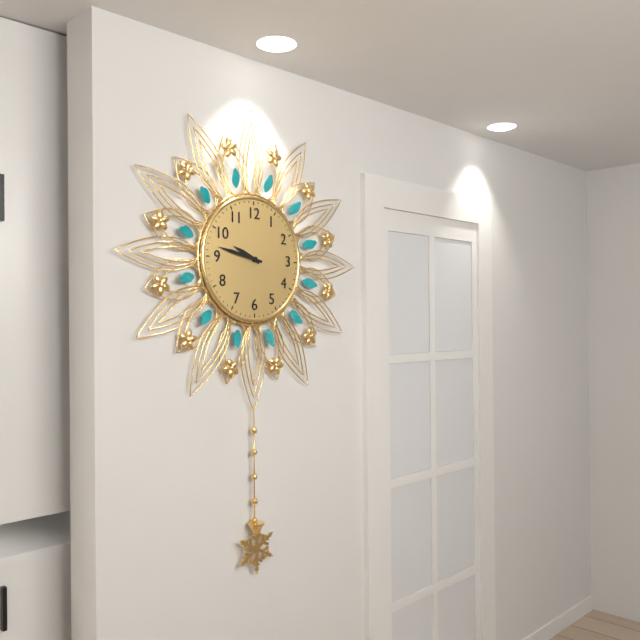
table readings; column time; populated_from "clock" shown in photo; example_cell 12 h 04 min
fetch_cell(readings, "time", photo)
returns 9 h 47 min
